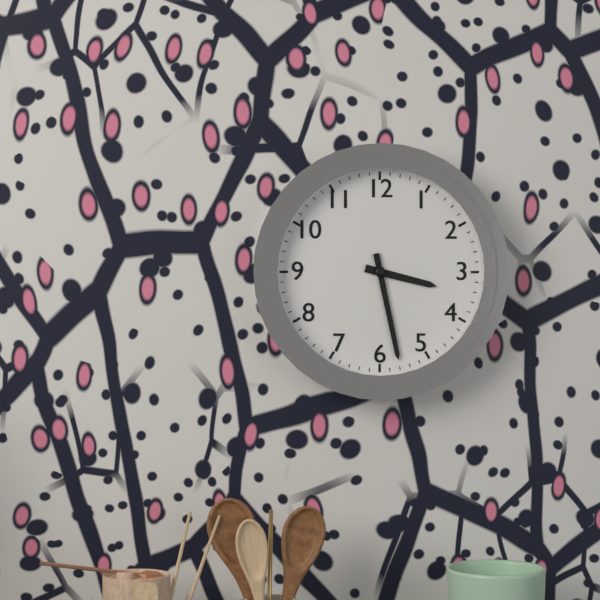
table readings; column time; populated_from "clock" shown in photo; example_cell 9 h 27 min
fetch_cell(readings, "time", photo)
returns 3 h 28 min
